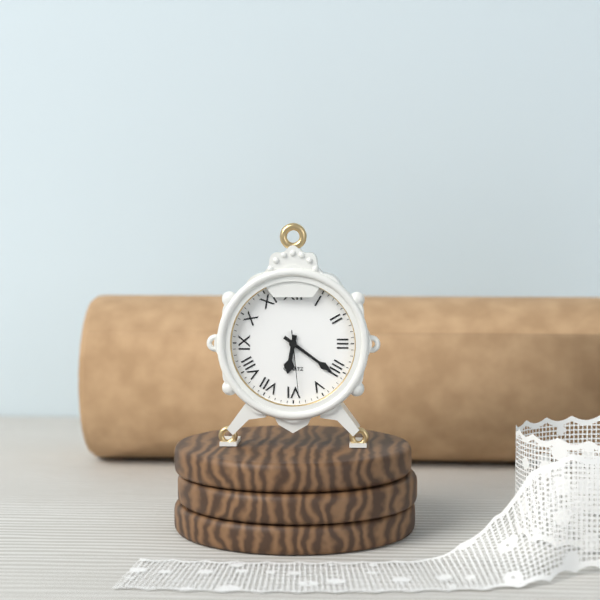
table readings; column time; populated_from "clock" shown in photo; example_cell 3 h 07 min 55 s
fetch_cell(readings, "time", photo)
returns 6 h 21 min 29 s
